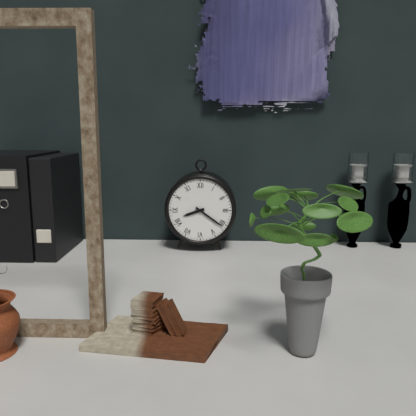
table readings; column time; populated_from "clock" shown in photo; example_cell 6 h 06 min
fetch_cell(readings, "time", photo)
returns 8 h 21 min
